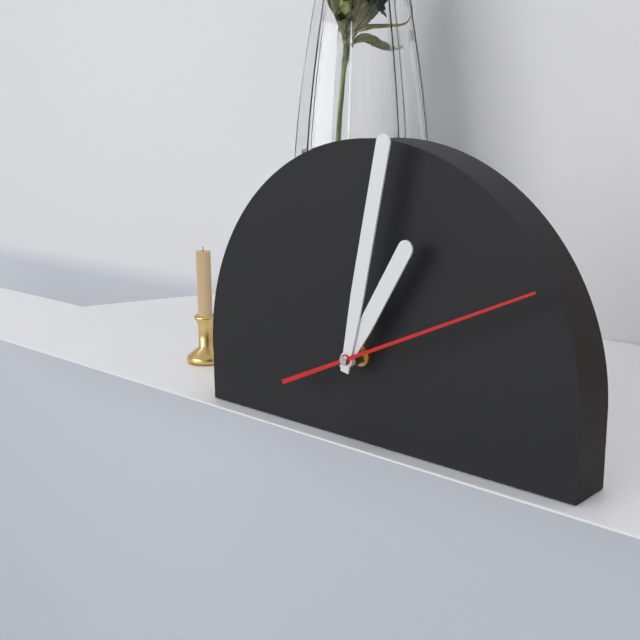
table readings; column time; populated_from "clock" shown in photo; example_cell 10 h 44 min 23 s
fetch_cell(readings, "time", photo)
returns 1 h 02 min 11 s
